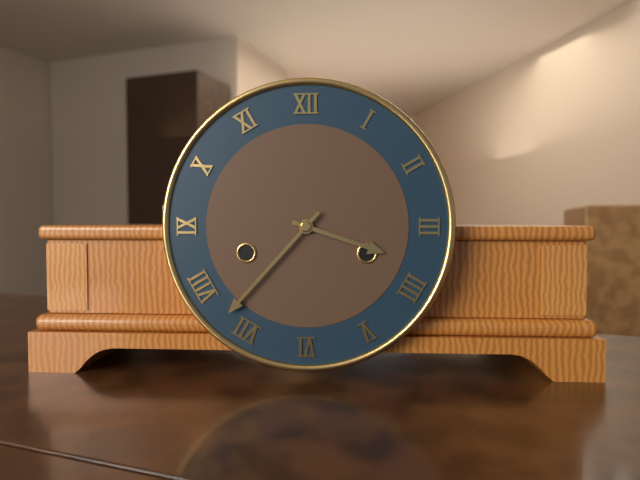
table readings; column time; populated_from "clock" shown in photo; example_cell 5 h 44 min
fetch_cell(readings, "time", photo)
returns 3 h 37 min
